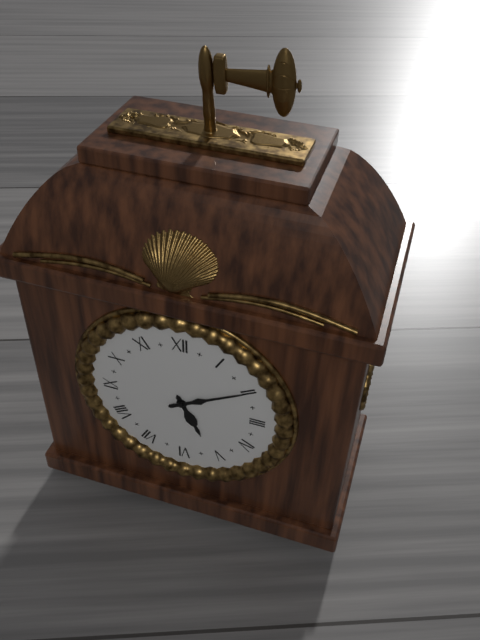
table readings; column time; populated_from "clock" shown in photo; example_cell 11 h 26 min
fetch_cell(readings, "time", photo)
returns 5 h 10 min
